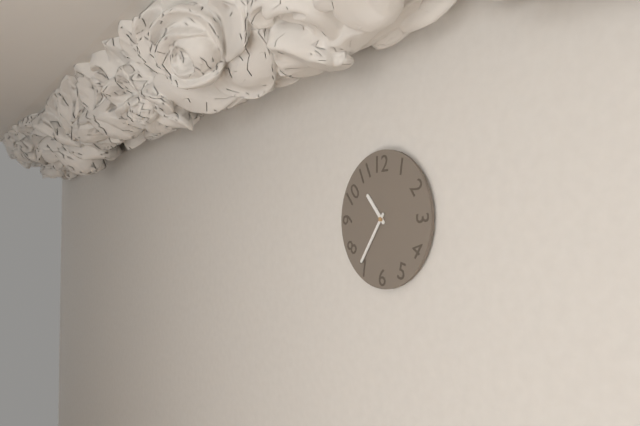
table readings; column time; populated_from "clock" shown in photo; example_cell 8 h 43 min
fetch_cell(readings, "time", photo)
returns 10 h 36 min
